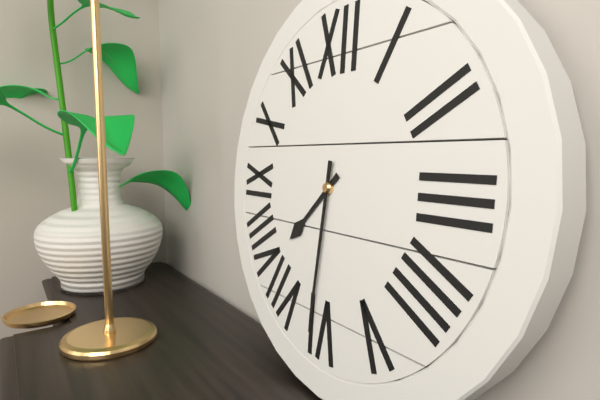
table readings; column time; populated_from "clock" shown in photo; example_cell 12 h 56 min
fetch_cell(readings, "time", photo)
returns 7 h 31 min
